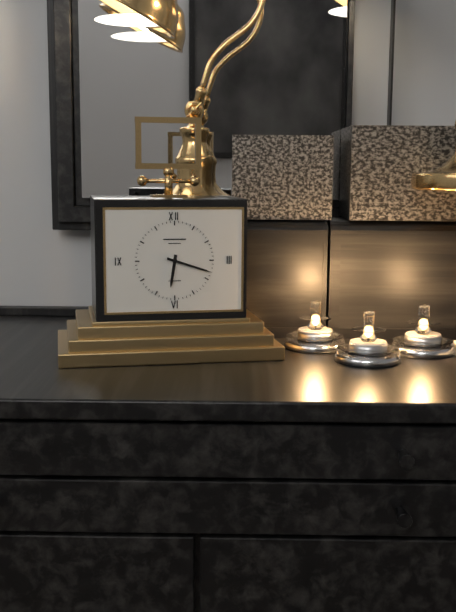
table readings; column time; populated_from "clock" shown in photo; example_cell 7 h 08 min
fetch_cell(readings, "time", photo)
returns 6 h 18 min
